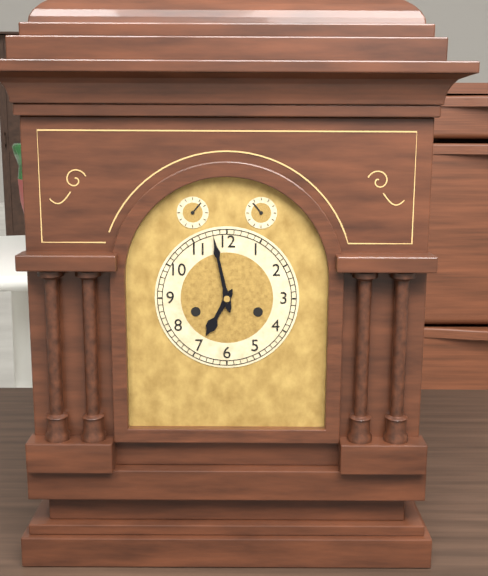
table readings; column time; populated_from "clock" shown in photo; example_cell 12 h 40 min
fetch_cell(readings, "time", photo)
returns 6 h 58 min
